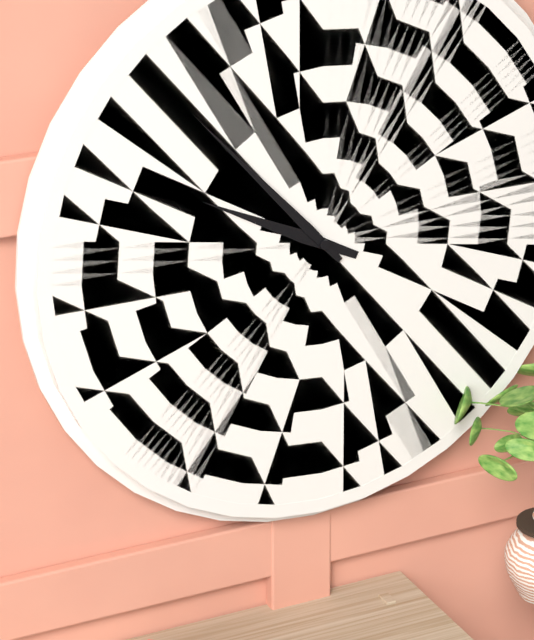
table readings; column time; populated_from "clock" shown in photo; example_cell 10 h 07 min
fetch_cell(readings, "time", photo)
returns 9 h 53 min
